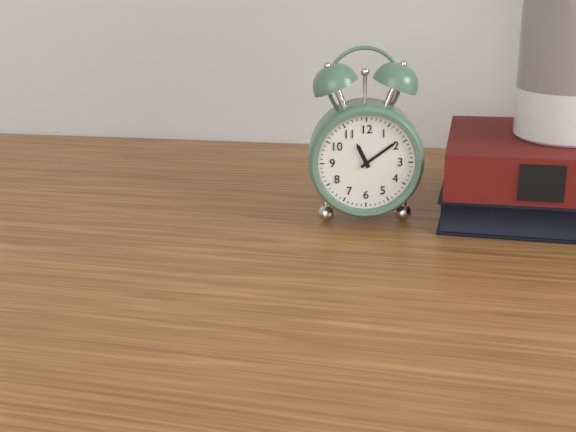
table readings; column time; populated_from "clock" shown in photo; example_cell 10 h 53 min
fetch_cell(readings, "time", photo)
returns 11 h 09 min
